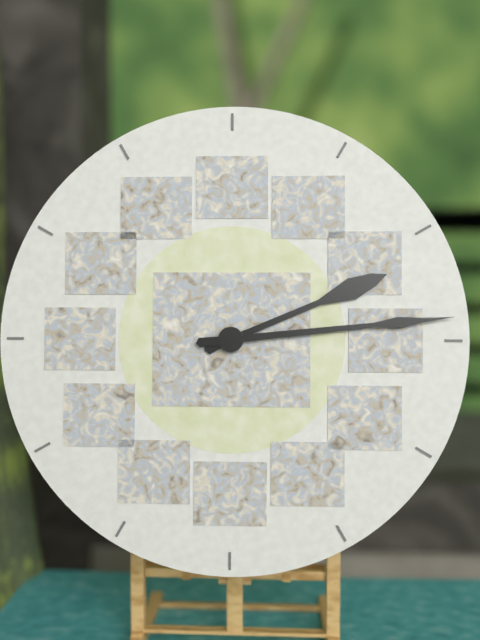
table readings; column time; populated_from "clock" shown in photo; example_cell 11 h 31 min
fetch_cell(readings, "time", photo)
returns 2 h 14 min
